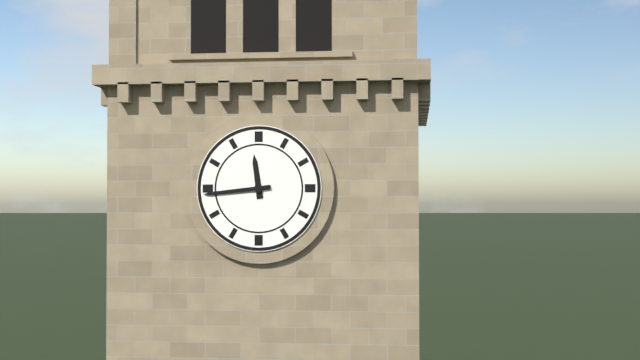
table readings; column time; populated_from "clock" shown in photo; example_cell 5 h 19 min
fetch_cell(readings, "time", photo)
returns 11 h 44 min
